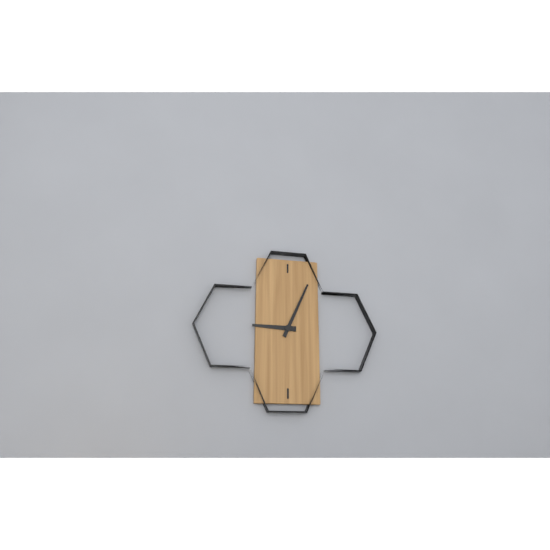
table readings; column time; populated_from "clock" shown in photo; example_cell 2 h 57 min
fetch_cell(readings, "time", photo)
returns 9 h 04 min
